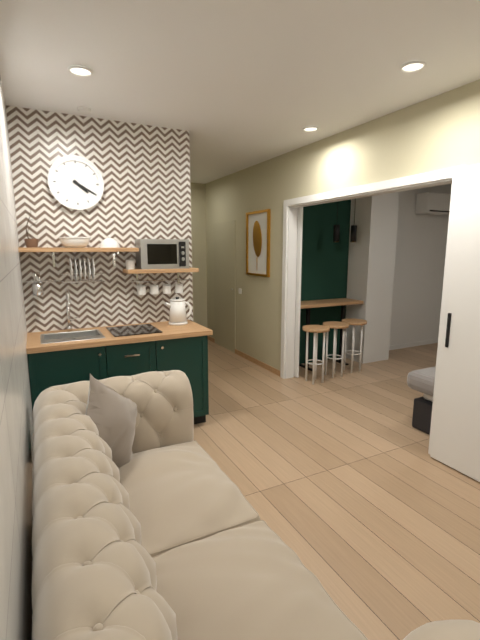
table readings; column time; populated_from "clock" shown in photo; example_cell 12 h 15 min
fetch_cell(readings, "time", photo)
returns 4 h 20 min
